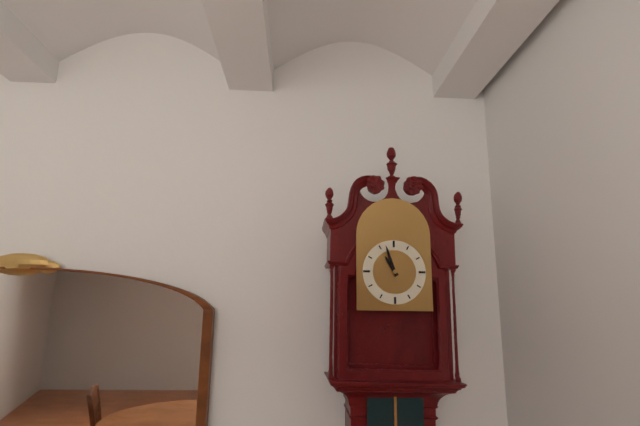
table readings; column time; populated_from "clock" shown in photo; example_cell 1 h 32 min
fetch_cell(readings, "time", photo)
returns 10 h 57 min
